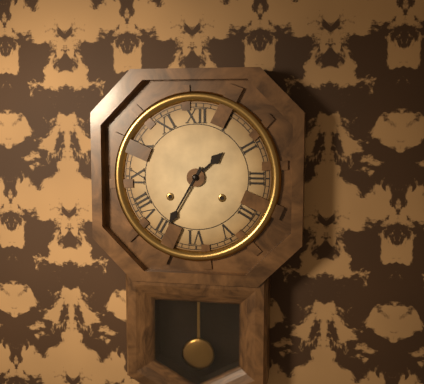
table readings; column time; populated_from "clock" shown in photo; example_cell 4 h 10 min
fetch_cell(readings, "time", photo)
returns 1 h 35 min
